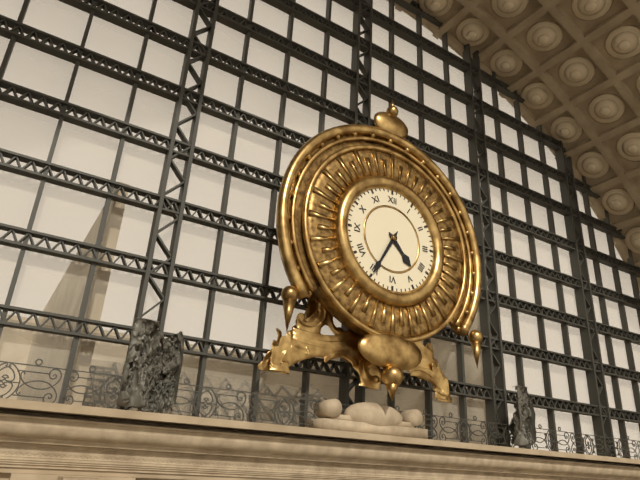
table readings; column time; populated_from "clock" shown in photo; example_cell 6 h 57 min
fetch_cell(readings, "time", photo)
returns 4 h 35 min
